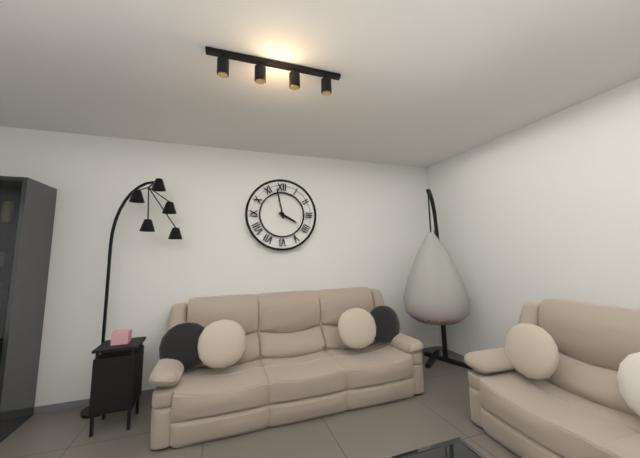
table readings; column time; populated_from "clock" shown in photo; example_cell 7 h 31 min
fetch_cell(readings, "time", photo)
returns 3 h 58 min
